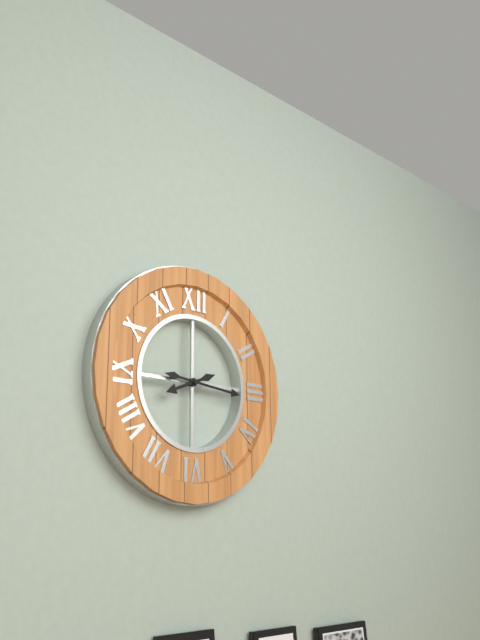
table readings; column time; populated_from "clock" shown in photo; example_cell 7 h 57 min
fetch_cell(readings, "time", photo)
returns 8 h 16 min
